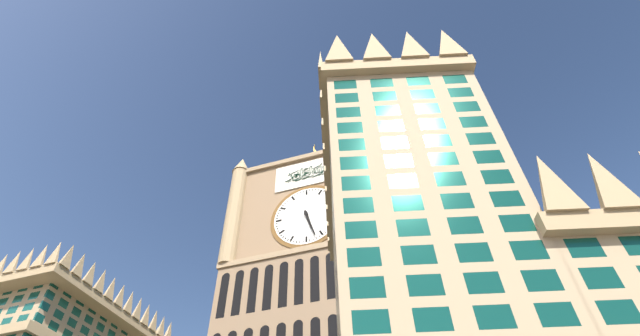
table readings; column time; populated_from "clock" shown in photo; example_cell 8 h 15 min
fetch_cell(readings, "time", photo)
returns 5 h 27 min
